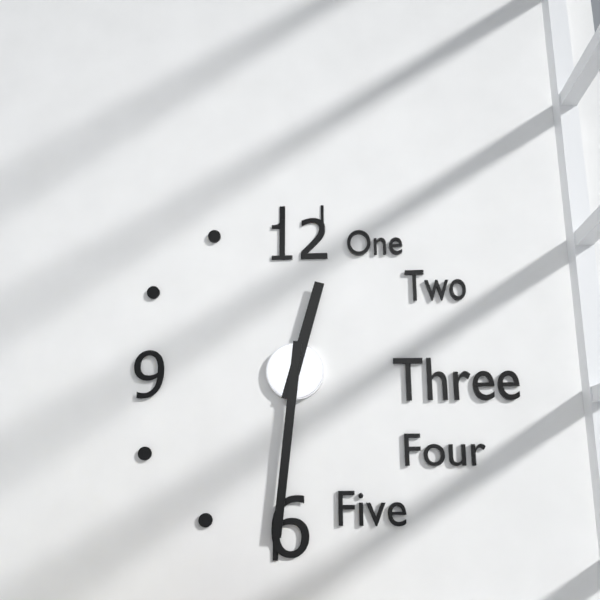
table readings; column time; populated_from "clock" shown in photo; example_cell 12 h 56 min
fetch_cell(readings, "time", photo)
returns 12 h 31 min
